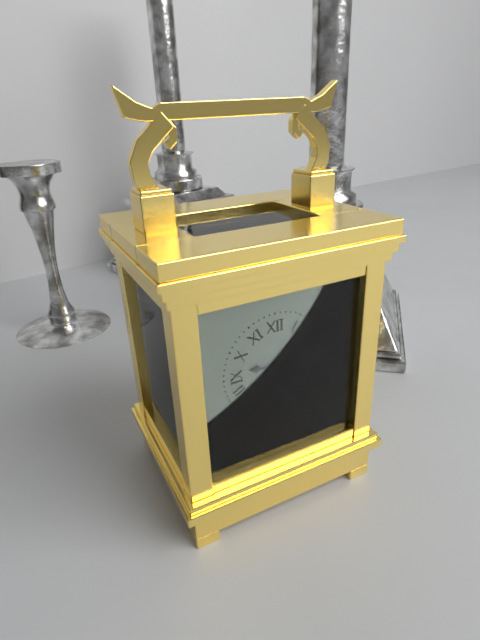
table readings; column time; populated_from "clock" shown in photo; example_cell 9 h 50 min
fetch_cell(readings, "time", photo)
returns 9 h 18 min
